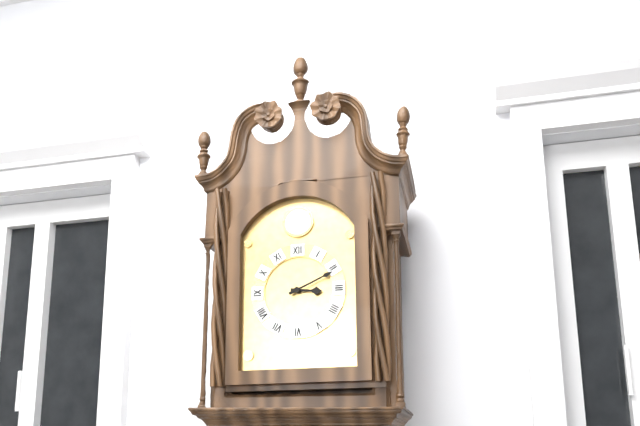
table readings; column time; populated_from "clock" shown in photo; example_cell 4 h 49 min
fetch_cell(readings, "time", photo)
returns 3 h 11 min
